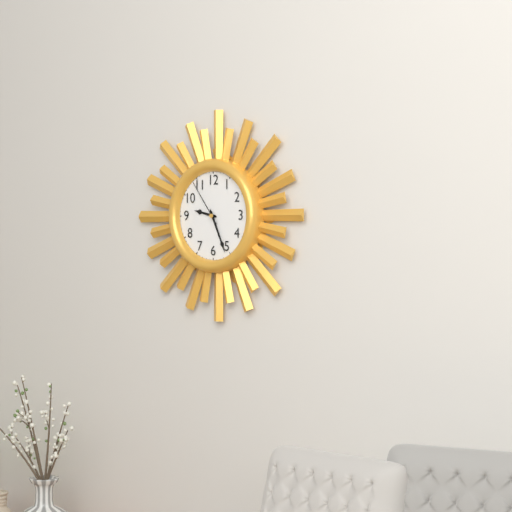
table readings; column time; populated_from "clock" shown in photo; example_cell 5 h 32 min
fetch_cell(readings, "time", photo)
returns 9 h 26 min
